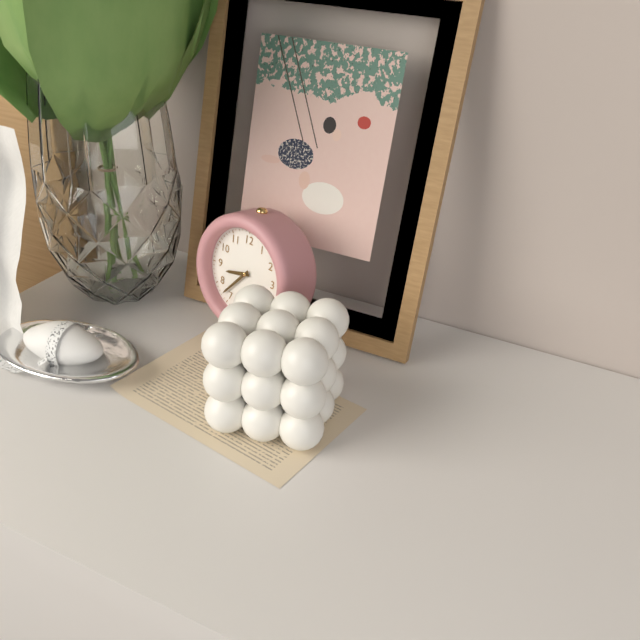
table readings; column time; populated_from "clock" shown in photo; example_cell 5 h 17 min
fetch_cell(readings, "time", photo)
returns 8 h 37 min
